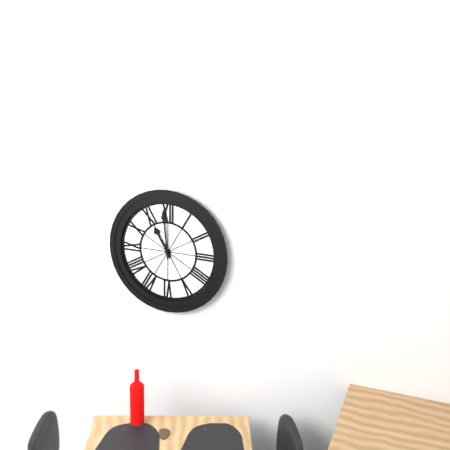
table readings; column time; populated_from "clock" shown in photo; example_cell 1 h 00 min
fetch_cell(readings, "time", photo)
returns 10 h 59 min
